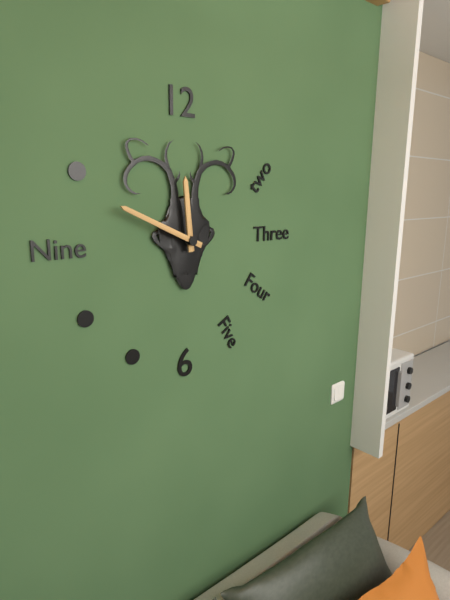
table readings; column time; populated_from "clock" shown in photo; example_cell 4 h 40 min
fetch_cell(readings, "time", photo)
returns 11 h 49 min
